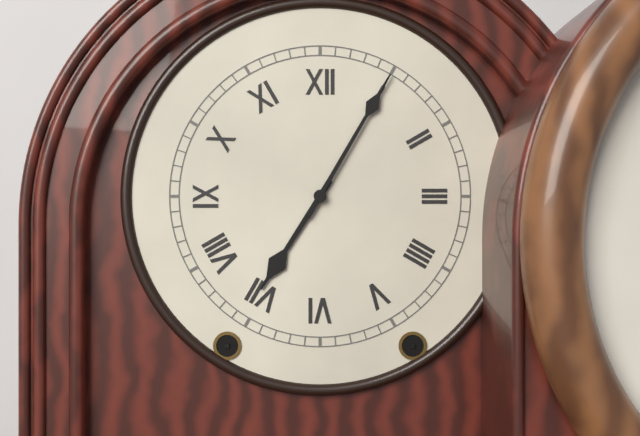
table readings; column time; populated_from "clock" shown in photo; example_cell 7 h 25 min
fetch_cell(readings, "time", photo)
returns 7 h 05 min
